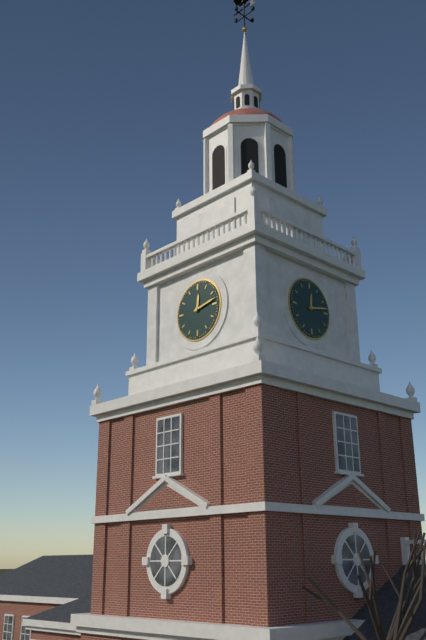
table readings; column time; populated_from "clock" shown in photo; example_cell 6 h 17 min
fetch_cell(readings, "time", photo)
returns 12 h 13 min
